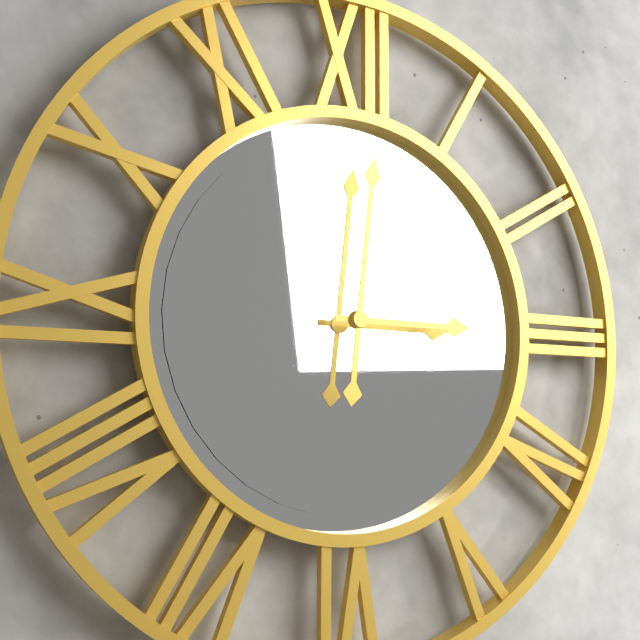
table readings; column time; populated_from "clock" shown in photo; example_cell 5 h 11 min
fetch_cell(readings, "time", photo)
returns 3 h 01 min
